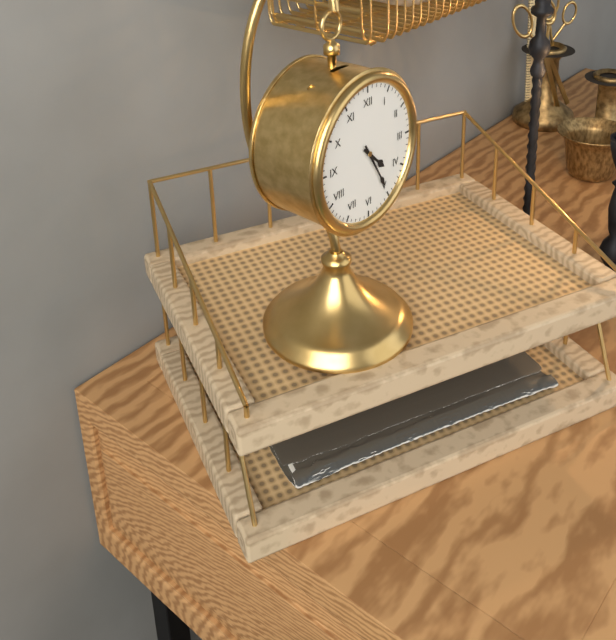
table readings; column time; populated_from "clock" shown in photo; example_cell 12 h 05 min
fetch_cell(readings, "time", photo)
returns 4 h 25 min
